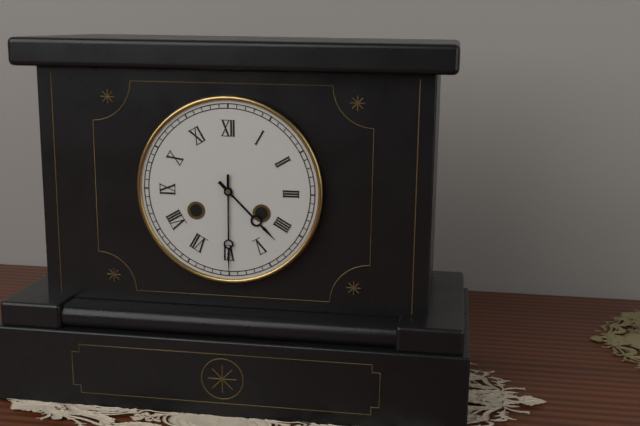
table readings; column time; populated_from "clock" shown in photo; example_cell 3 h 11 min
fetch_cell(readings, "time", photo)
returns 4 h 30 min
